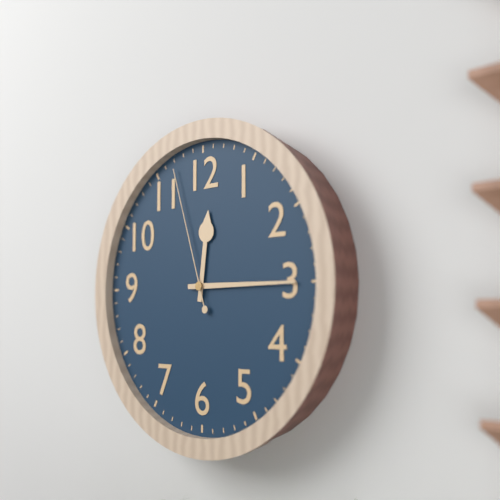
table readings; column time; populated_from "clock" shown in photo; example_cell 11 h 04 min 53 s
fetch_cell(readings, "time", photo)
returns 12 h 15 min 57 s
